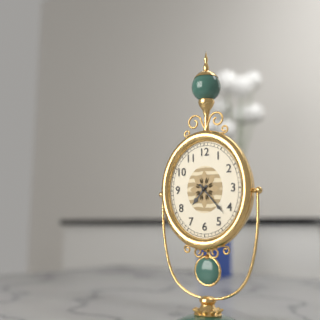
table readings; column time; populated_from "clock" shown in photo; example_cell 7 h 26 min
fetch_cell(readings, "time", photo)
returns 7 h 23 min
